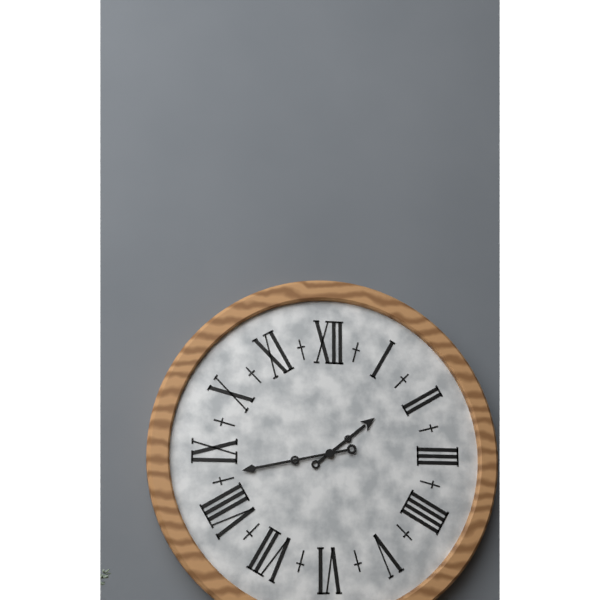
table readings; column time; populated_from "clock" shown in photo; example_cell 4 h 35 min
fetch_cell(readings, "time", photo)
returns 1 h 43 min
